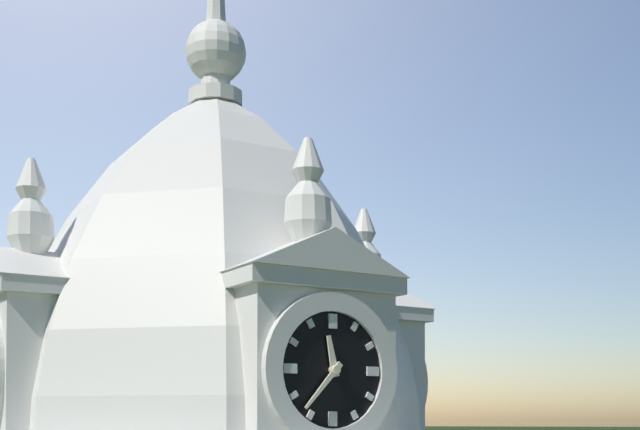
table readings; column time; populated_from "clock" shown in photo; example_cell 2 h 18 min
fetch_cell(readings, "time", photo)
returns 11 h 37 min
